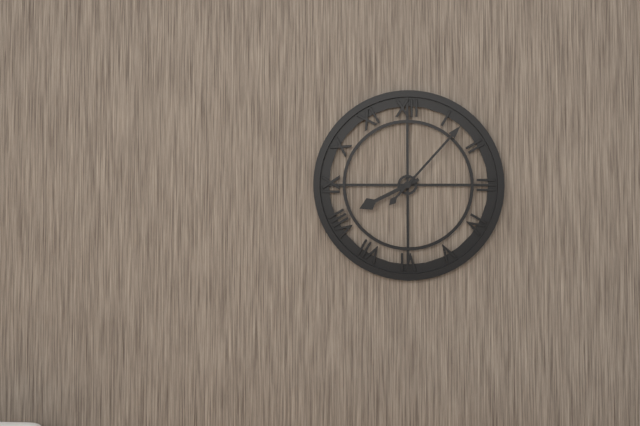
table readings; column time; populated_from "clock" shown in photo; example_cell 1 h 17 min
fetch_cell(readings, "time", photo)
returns 8 h 07 min
